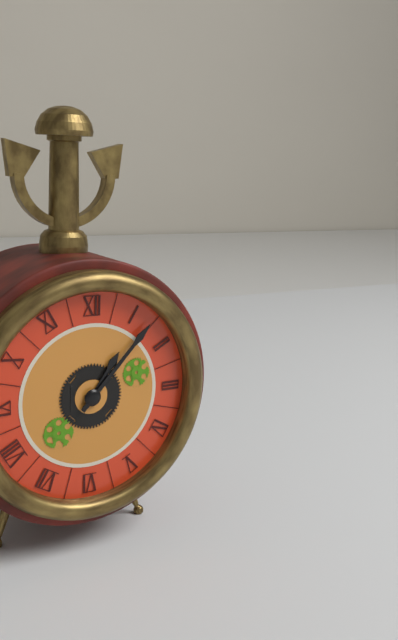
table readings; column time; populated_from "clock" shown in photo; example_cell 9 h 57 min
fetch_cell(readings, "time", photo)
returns 1 h 07 min
